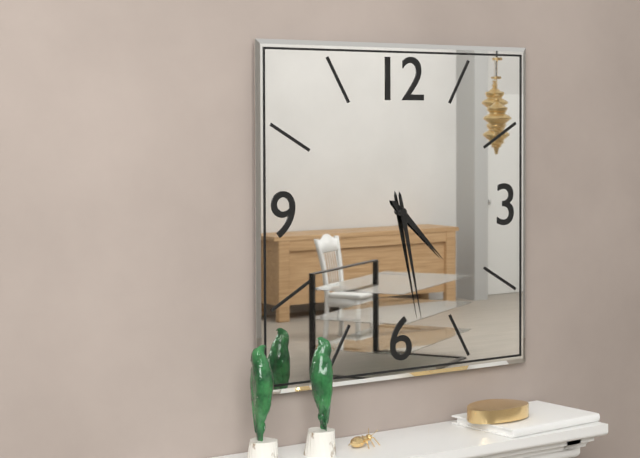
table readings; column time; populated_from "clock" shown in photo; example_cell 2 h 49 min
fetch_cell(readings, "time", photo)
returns 4 h 28 min
